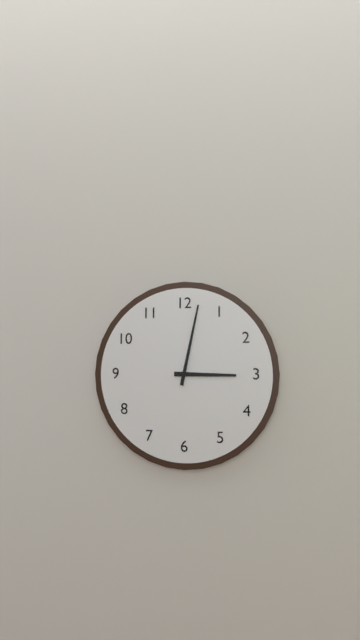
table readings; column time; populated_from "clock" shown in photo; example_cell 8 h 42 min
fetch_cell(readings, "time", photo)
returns 3 h 02 min
